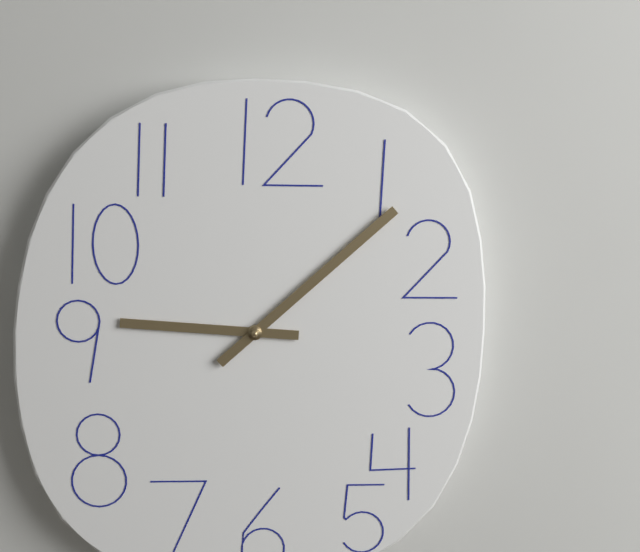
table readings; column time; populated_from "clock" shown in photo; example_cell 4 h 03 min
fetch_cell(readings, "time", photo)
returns 9 h 08 min
